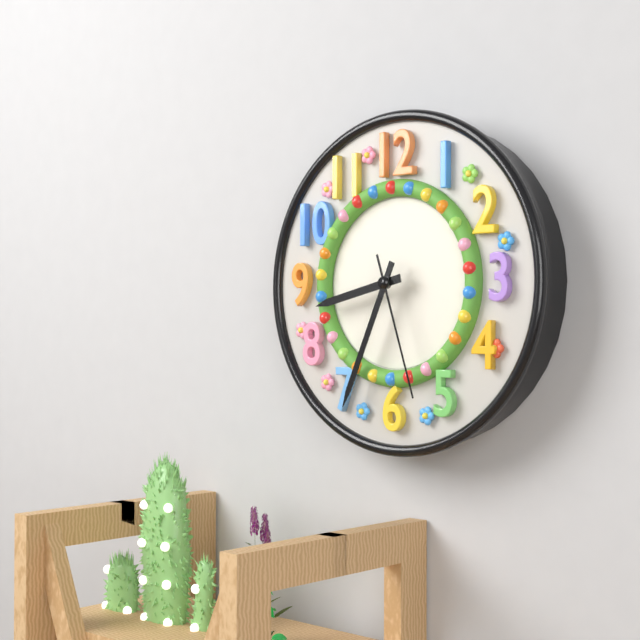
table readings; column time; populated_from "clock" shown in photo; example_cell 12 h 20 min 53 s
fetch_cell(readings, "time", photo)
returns 8 h 34 min 27 s
